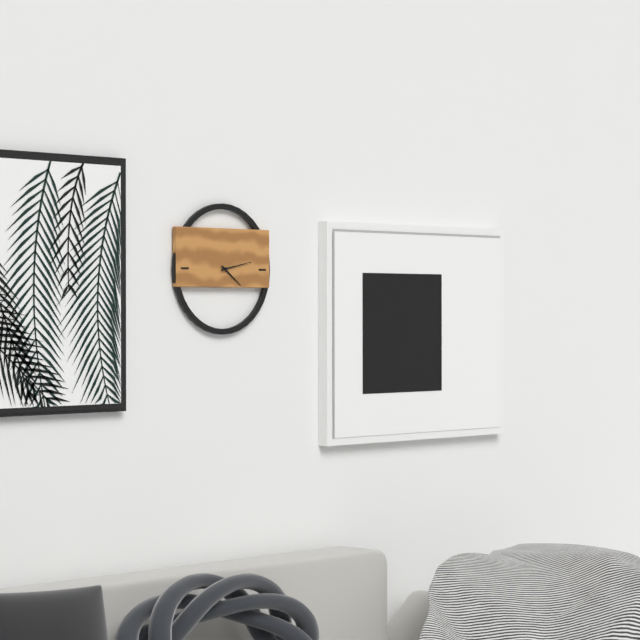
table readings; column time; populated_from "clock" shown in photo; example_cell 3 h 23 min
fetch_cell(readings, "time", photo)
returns 4 h 13 min
